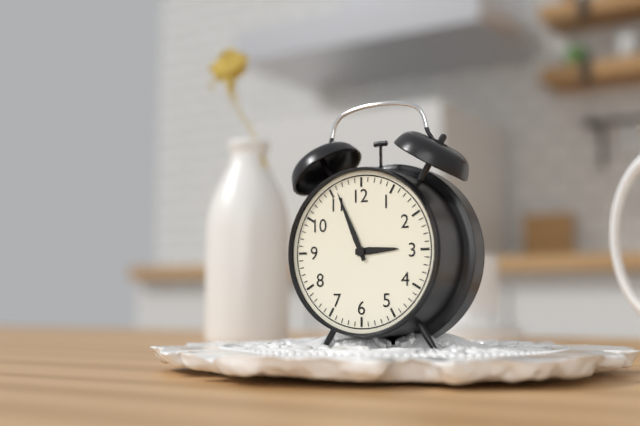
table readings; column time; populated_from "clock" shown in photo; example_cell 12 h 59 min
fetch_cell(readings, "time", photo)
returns 2 h 56 min
